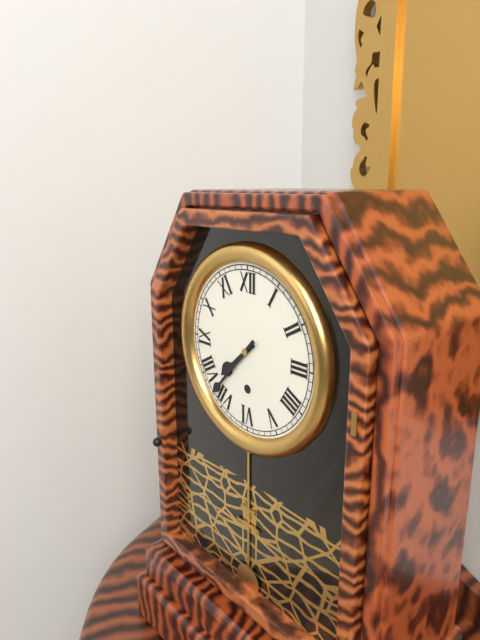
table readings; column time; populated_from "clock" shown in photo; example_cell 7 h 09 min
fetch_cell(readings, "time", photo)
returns 7 h 37 min
